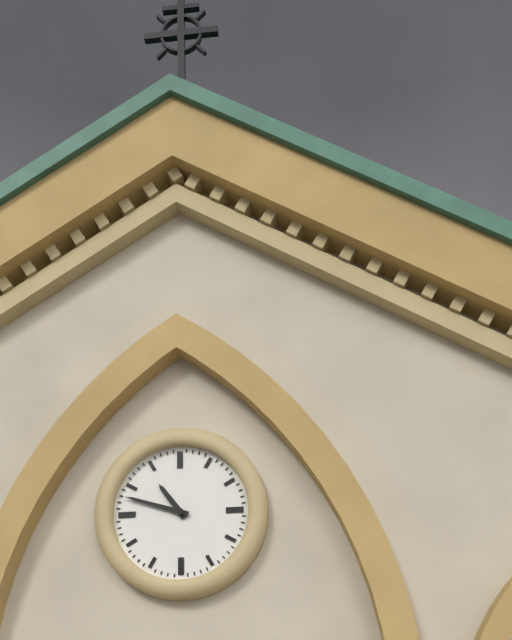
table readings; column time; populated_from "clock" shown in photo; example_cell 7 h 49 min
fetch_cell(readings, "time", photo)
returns 10 h 48 min
